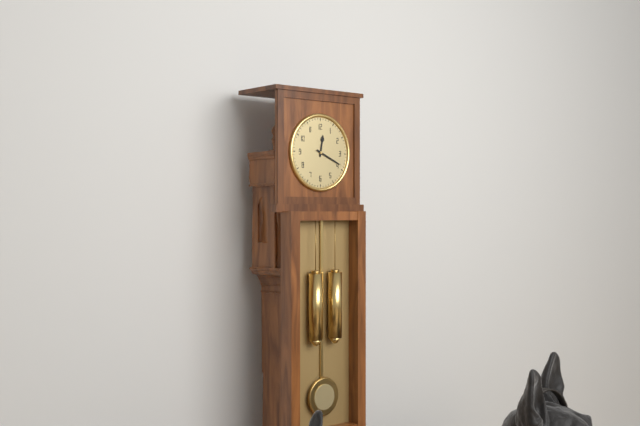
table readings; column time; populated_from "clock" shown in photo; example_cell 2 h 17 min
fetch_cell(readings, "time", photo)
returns 12 h 19 min
